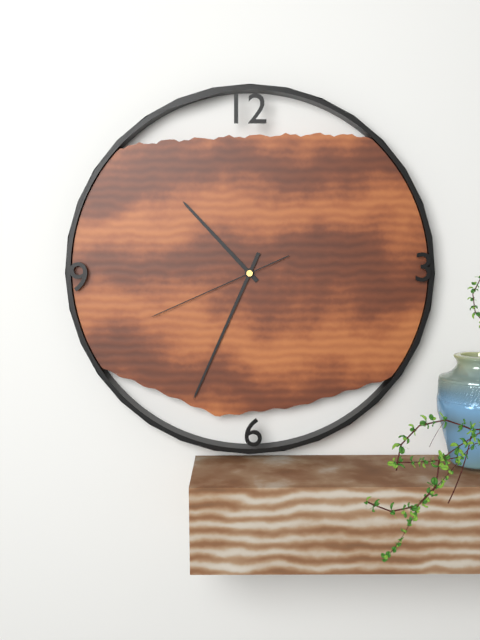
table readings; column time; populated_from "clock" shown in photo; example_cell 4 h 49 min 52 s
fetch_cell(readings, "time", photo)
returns 10 h 34 min 41 s
